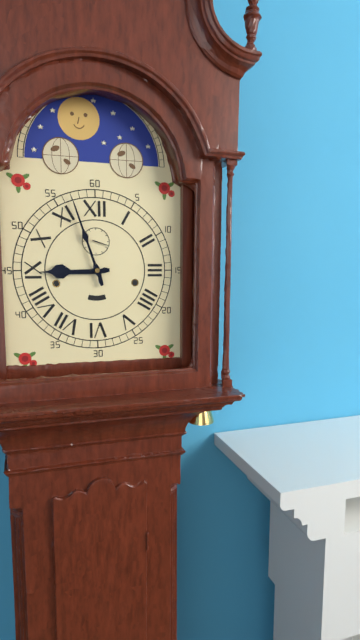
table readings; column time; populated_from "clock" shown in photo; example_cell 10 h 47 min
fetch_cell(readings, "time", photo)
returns 8 h 57 min
